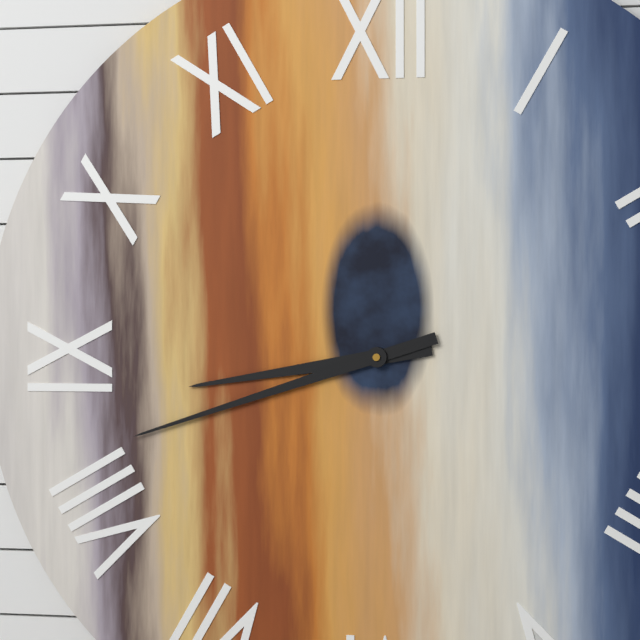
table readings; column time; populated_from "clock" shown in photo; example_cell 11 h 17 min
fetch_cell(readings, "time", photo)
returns 8 h 42 min
